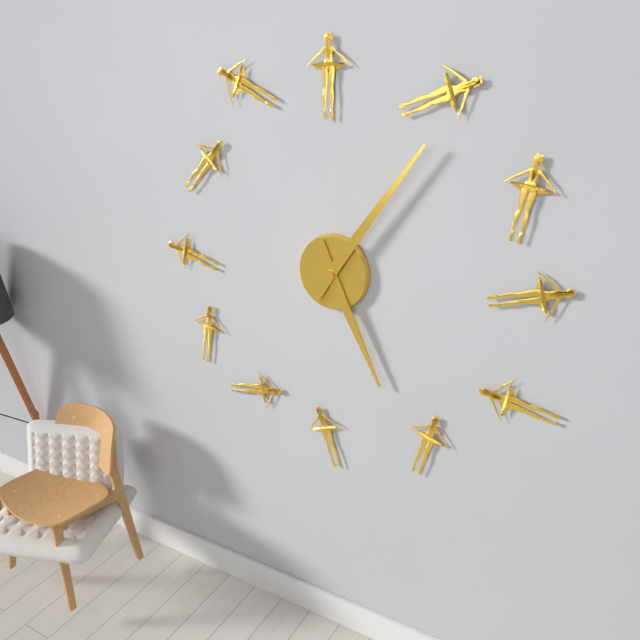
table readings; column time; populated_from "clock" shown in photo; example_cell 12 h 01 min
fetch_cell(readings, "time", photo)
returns 5 h 06 min
